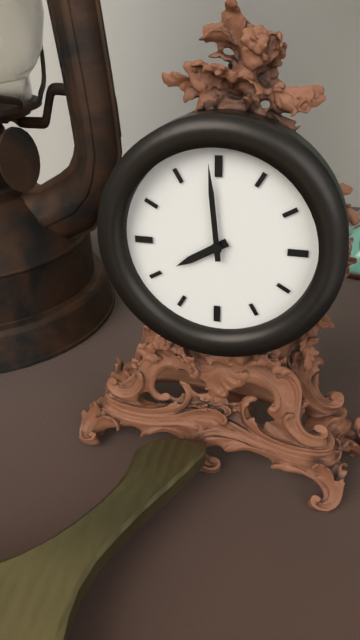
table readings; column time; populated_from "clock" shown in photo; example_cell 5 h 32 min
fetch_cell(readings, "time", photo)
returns 7 h 59 min
